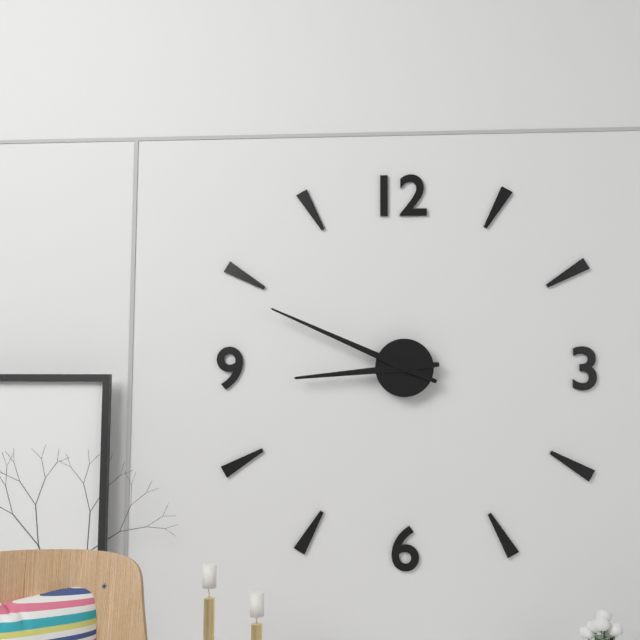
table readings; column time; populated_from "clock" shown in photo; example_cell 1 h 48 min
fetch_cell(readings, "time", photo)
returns 8 h 49 min
